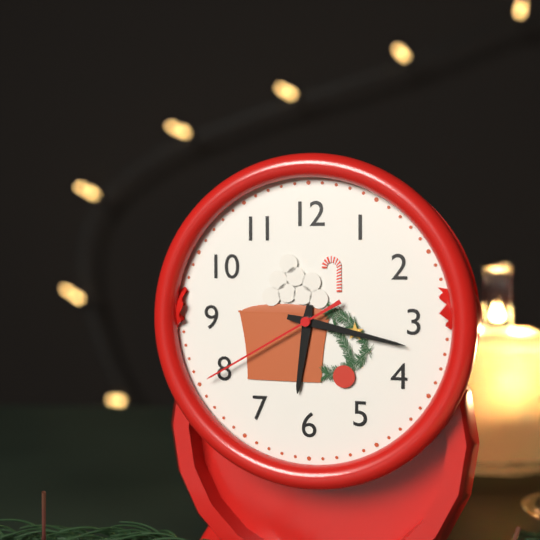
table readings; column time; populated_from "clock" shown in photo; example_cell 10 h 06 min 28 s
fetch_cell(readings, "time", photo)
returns 6 h 17 min 40 s
